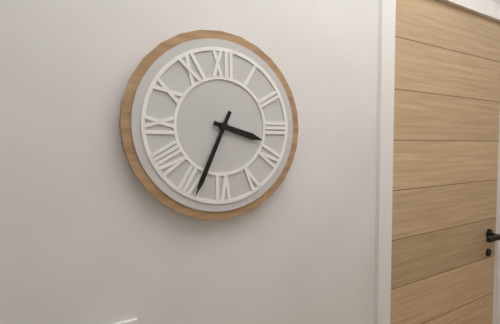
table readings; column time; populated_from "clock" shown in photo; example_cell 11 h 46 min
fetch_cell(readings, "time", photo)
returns 3 h 34 min
